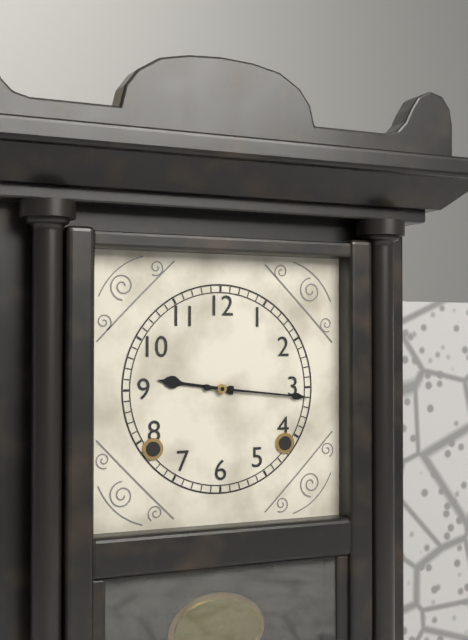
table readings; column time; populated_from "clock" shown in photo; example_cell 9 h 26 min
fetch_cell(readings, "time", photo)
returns 9 h 16 min
